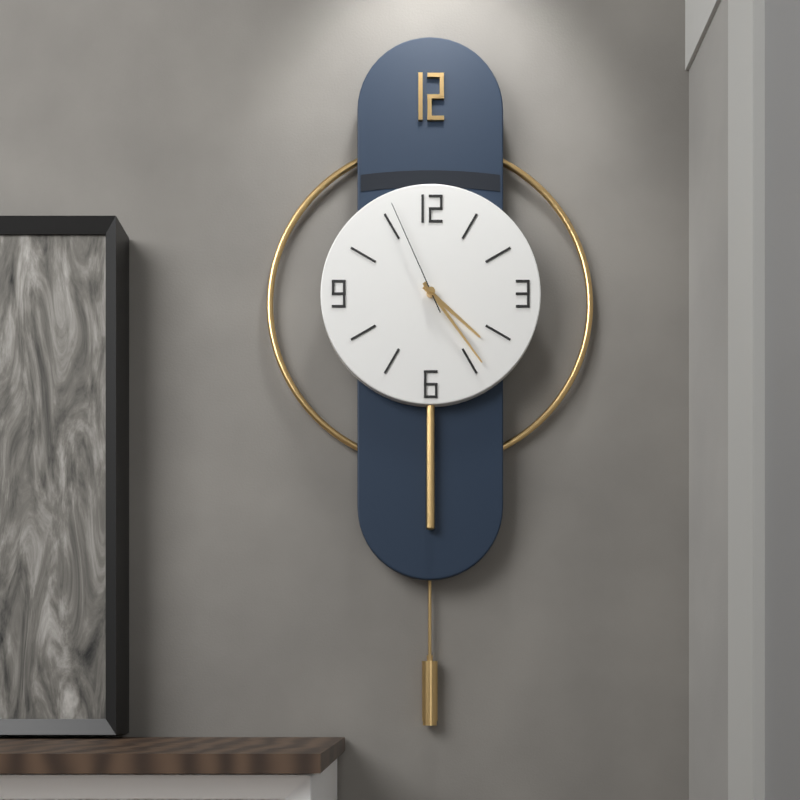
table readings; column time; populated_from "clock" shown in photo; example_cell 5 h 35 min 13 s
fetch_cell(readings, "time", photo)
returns 4 h 24 min 56 s
